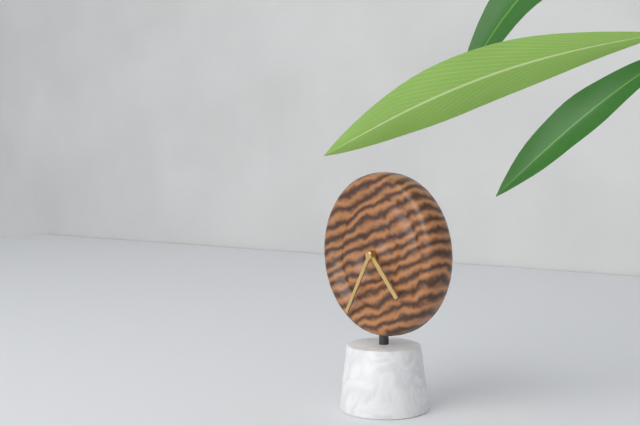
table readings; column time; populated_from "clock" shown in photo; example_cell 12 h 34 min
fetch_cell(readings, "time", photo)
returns 4 h 35 min
